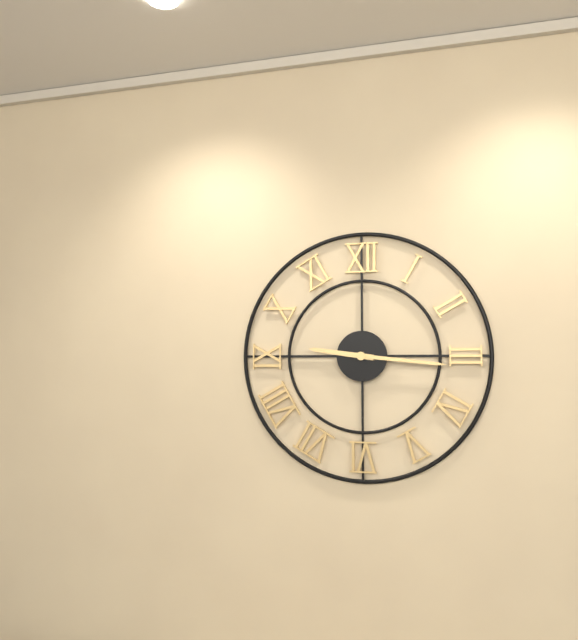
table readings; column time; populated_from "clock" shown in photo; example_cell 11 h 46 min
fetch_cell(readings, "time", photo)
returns 9 h 16 min
